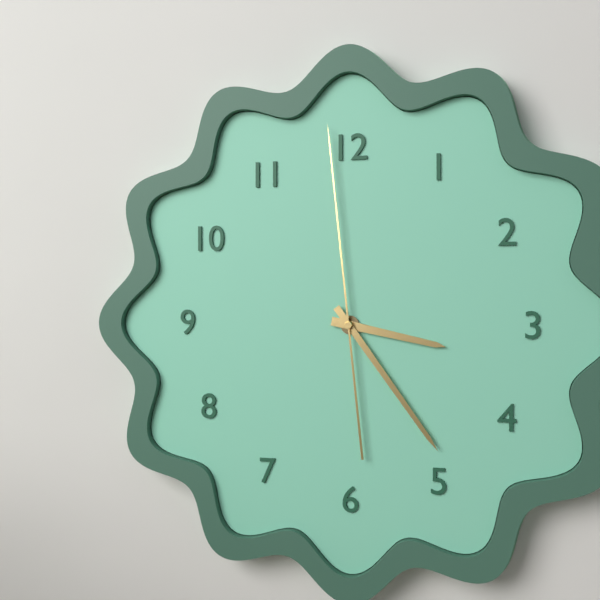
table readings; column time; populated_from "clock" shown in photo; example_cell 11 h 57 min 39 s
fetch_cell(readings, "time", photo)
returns 3 h 24 min 59 s
